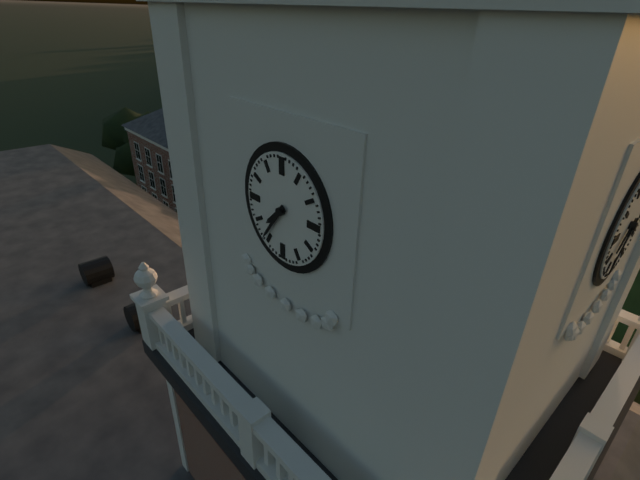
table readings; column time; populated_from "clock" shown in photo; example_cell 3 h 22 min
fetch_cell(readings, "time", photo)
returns 7 h 36 min
